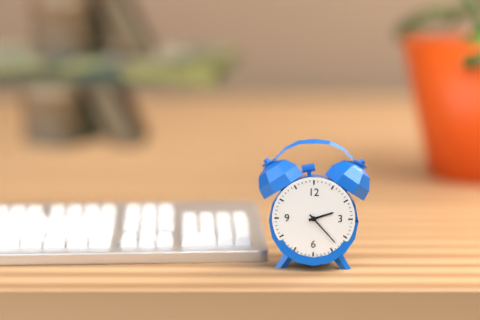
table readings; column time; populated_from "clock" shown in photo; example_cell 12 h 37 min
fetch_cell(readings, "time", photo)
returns 2 h 23 min
